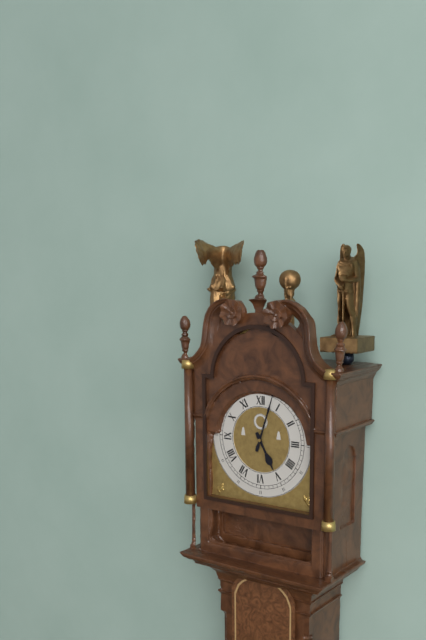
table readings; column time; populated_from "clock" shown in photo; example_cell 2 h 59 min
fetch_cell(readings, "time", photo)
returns 5 h 03 min
